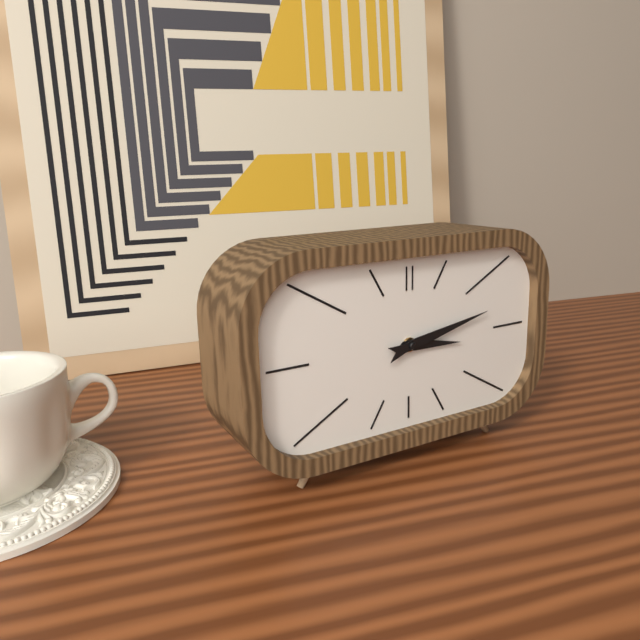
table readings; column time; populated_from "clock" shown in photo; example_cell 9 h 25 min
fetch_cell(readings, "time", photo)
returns 3 h 13 min
